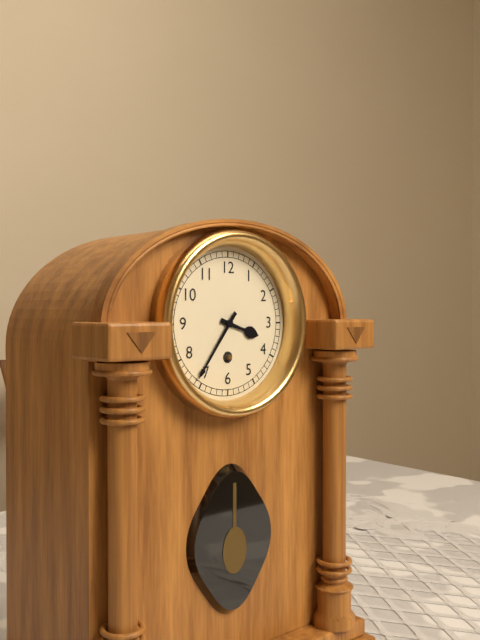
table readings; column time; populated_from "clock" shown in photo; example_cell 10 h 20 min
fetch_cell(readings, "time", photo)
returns 3 h 36 min
